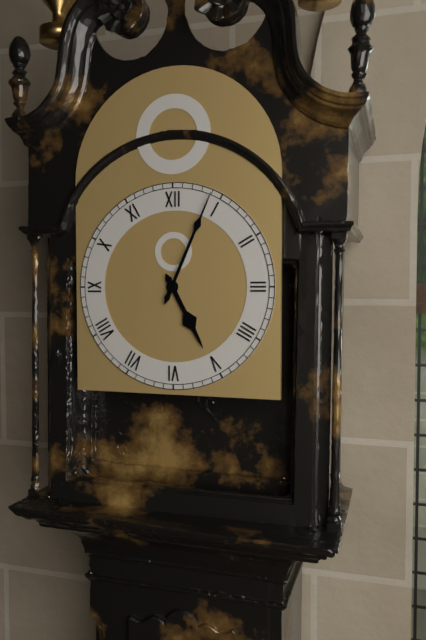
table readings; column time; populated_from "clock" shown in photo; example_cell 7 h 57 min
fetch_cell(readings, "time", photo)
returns 5 h 04 min
